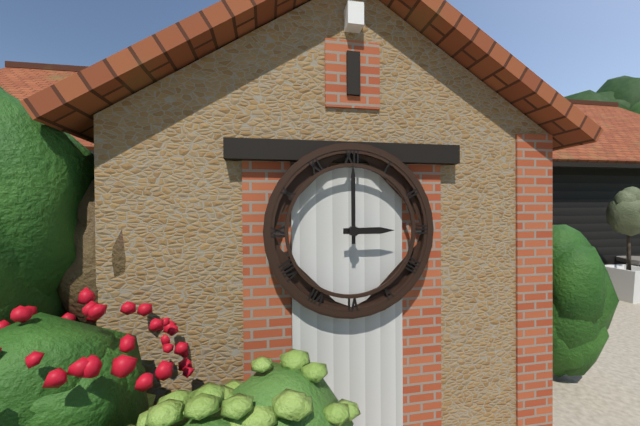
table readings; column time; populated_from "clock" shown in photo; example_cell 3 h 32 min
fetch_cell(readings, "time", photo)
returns 3 h 00 min
